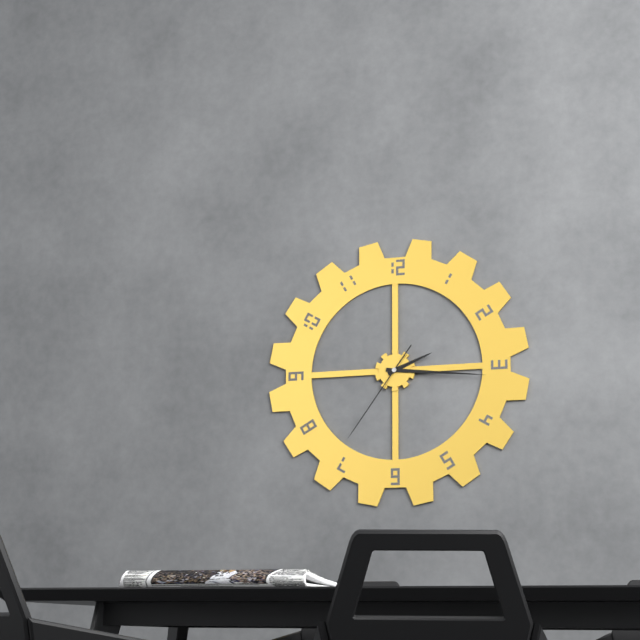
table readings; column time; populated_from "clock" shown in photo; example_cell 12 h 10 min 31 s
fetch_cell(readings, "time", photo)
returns 2 h 16 min 36 s
